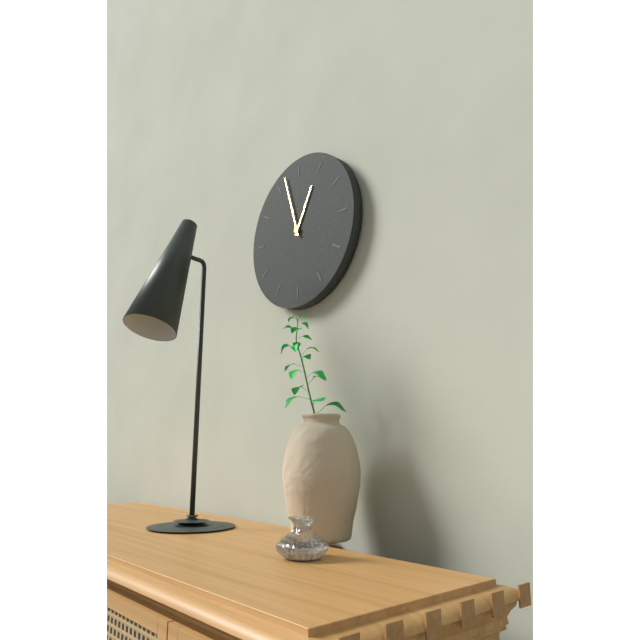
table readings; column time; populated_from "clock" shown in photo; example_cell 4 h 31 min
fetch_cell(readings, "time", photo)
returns 12 h 57 min
